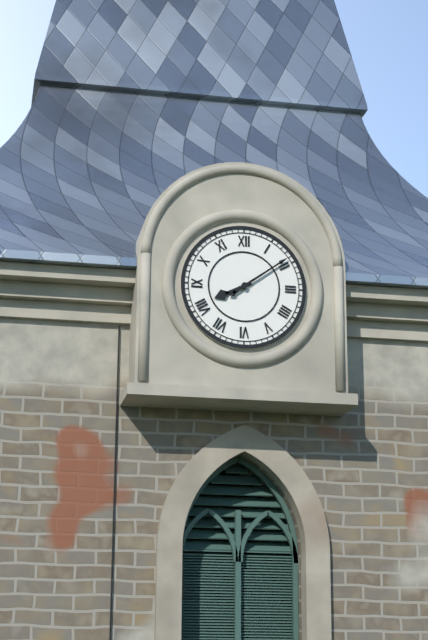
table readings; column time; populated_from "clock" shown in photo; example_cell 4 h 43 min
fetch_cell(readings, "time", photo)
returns 8 h 09 min
